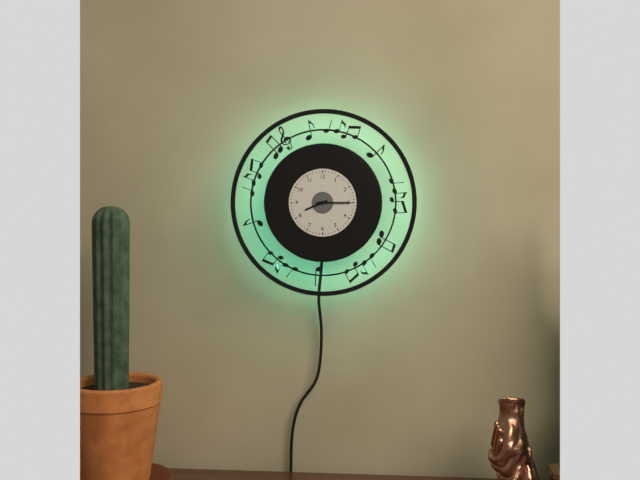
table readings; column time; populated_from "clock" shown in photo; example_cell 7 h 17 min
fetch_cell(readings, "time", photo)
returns 8 h 15 min
